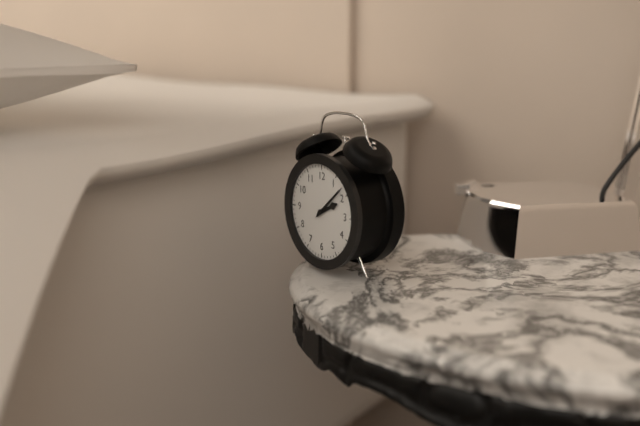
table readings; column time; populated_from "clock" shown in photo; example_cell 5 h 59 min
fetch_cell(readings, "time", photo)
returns 2 h 08 min
